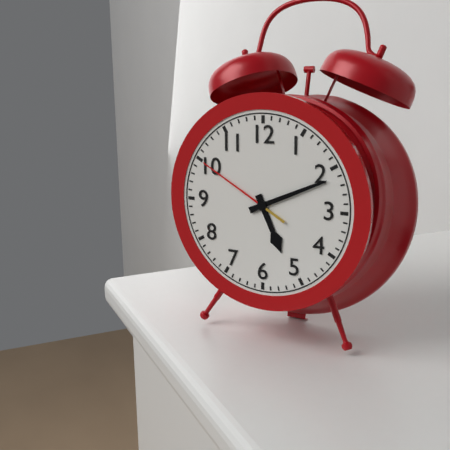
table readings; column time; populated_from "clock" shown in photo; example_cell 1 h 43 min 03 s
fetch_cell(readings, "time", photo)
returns 5 h 11 min 50 s
